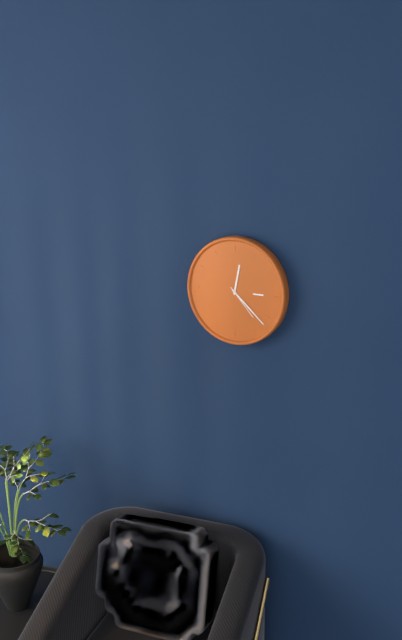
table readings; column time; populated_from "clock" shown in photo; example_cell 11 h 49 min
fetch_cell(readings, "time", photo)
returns 12 h 22 min
